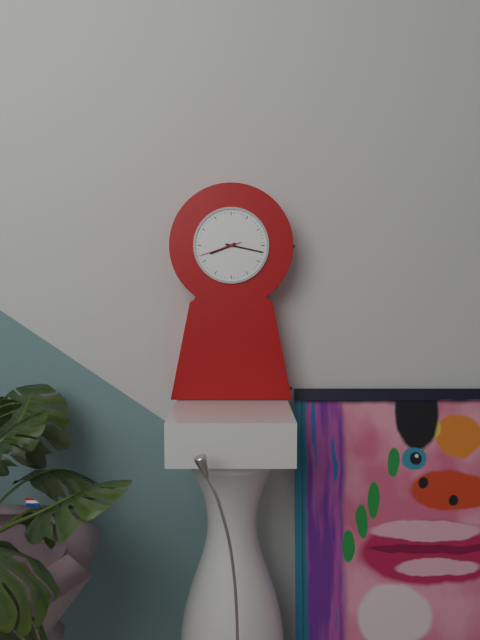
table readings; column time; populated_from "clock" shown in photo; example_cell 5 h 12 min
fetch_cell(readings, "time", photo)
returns 8 h 17 min
